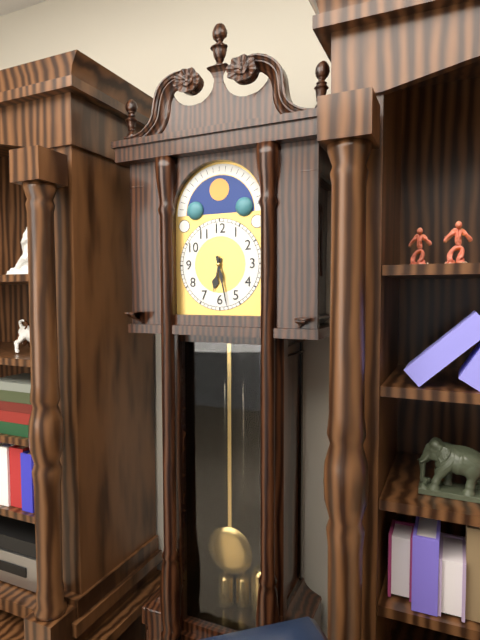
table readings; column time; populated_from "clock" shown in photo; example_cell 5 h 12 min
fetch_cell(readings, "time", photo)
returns 6 h 28 min
